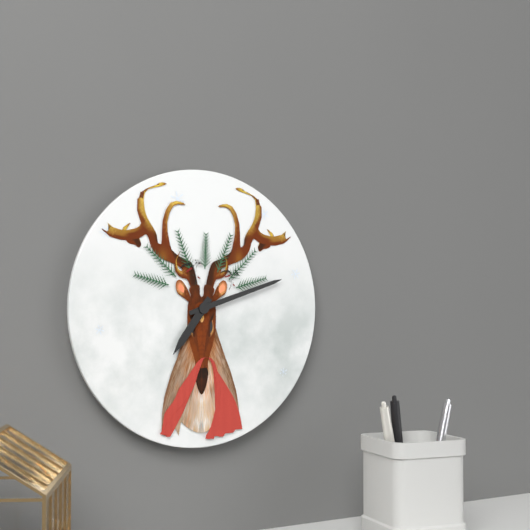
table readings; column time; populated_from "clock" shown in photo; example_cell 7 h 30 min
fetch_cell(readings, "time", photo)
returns 7 h 12 min
